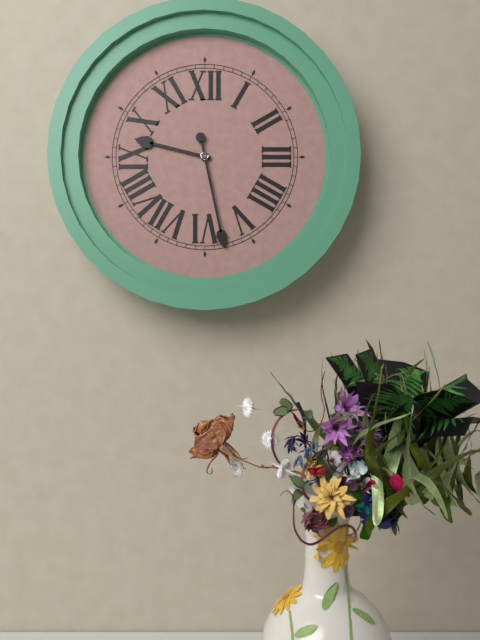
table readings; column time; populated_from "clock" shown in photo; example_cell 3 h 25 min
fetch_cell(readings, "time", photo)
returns 9 h 28 min
